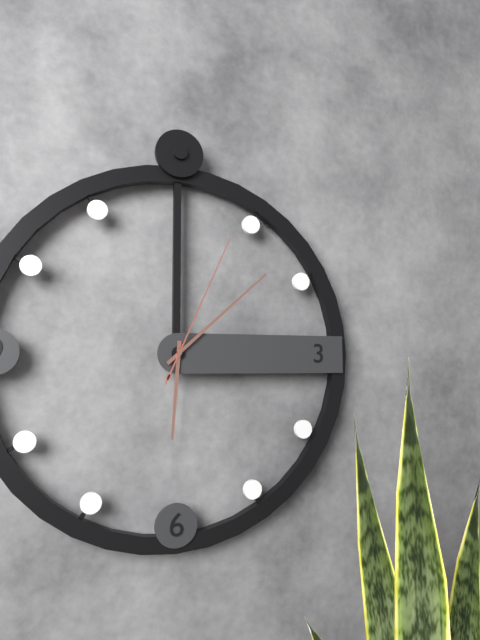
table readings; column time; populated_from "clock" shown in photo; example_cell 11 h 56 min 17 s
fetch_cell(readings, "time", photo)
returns 6 h 08 min 04 s
